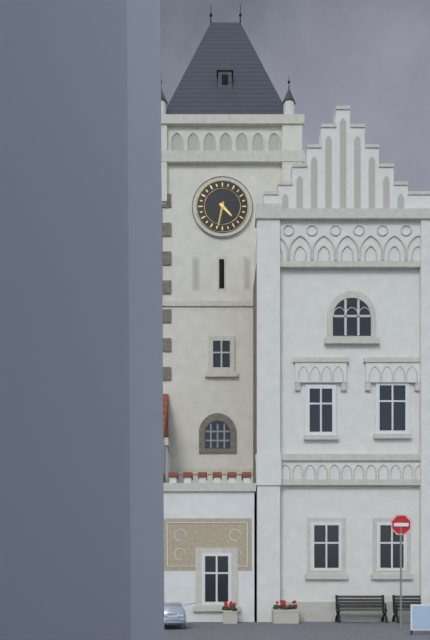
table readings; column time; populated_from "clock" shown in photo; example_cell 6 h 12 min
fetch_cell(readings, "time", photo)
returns 4 h 32 min
